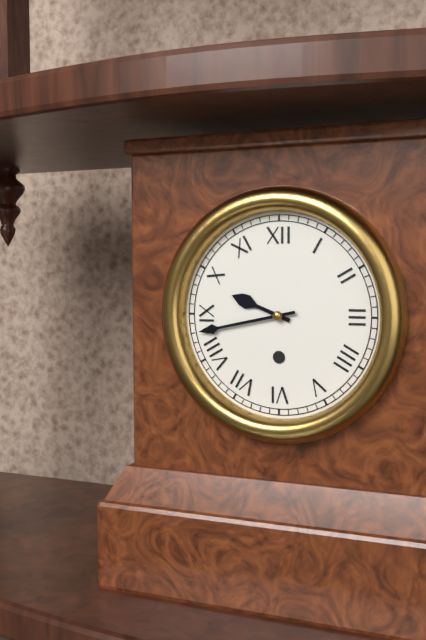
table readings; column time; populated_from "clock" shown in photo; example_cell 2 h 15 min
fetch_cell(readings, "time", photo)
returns 9 h 43 min
